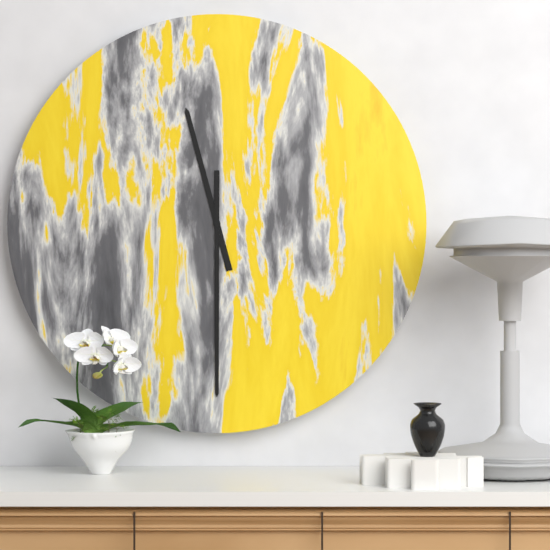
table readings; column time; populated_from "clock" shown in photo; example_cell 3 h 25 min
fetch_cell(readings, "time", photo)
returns 11 h 30 min
